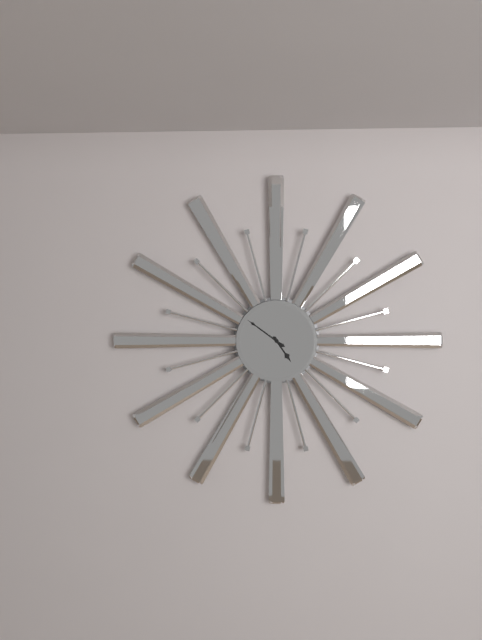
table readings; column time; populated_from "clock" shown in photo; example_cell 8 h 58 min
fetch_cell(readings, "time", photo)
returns 4 h 51 min
